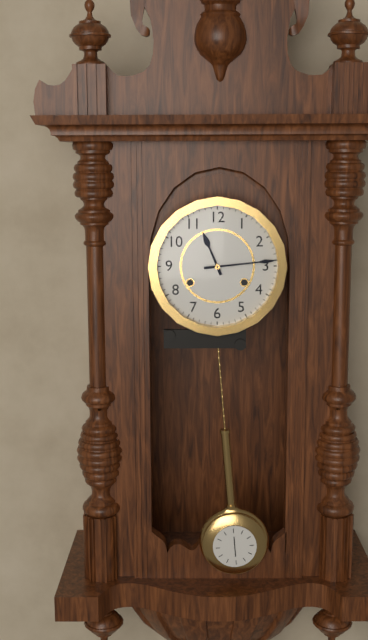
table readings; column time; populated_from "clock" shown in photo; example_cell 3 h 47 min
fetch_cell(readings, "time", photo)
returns 11 h 14 min
